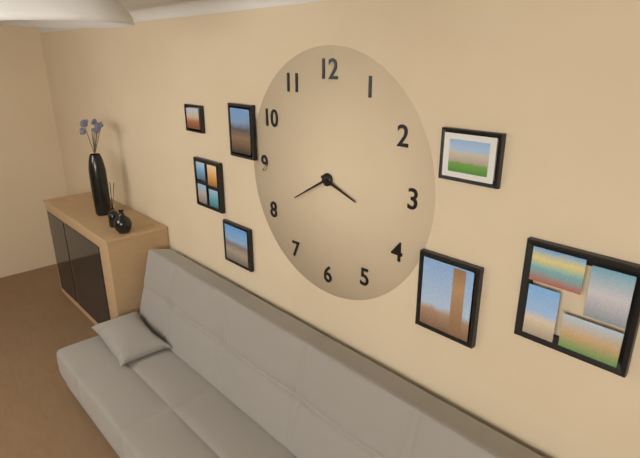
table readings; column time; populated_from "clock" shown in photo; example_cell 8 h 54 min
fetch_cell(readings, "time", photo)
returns 3 h 40 min
